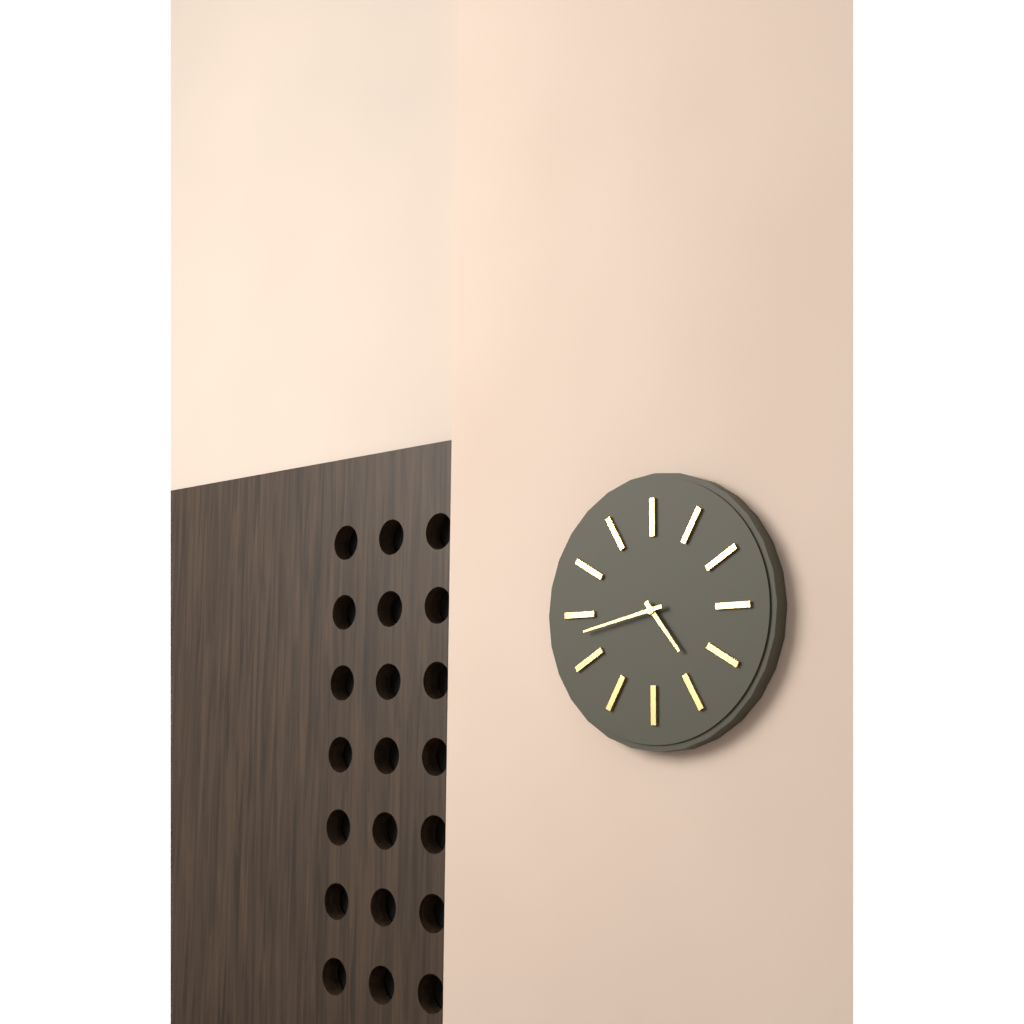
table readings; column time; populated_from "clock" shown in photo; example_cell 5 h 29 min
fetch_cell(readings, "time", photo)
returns 4 h 43 min
